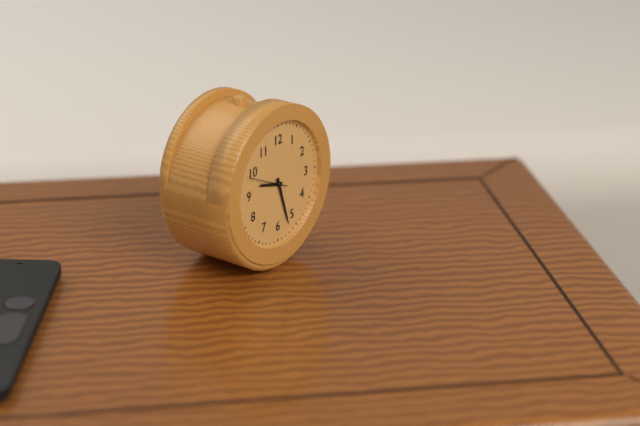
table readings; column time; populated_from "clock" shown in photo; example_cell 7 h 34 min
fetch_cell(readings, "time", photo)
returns 9 h 27 min
